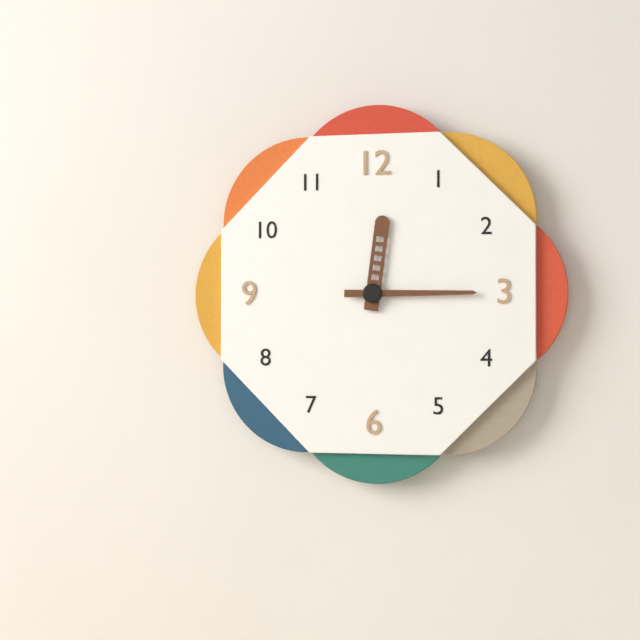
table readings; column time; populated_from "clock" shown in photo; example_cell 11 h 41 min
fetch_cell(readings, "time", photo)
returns 12 h 15 min
